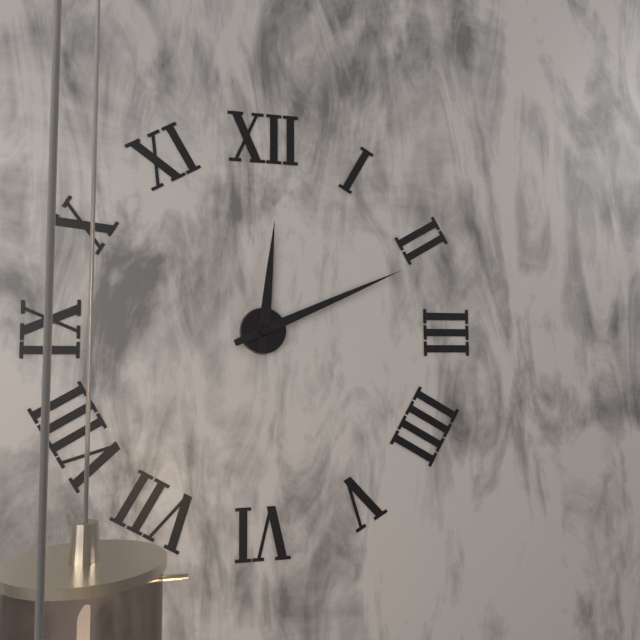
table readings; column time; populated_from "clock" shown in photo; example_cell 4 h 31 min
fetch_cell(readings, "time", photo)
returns 12 h 11 min
